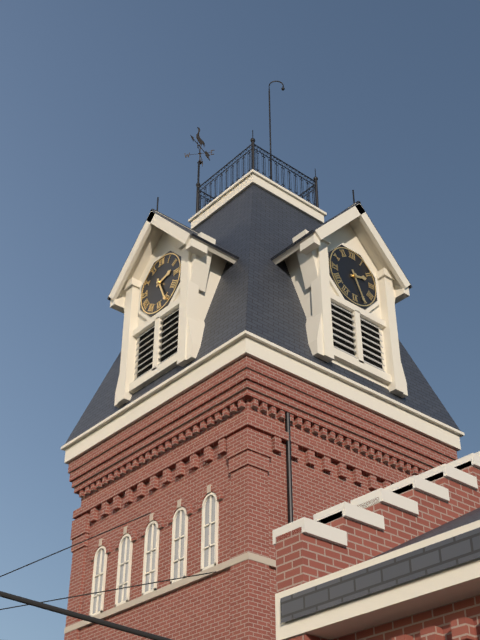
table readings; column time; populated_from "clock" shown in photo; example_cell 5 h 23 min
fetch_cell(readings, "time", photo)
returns 2 h 26 min
